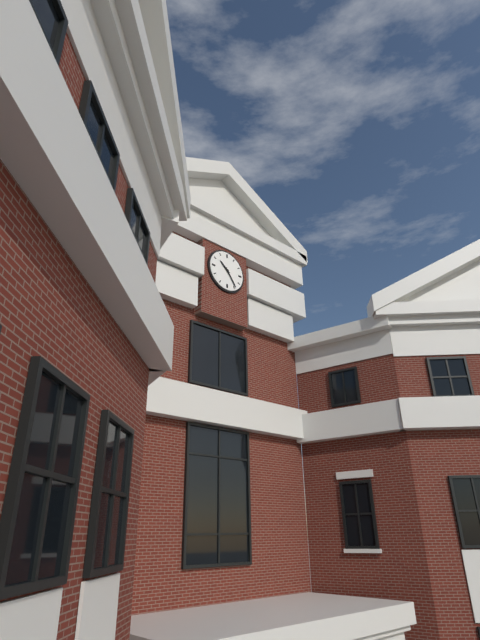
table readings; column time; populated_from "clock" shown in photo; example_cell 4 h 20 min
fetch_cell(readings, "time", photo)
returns 10 h 24 min
